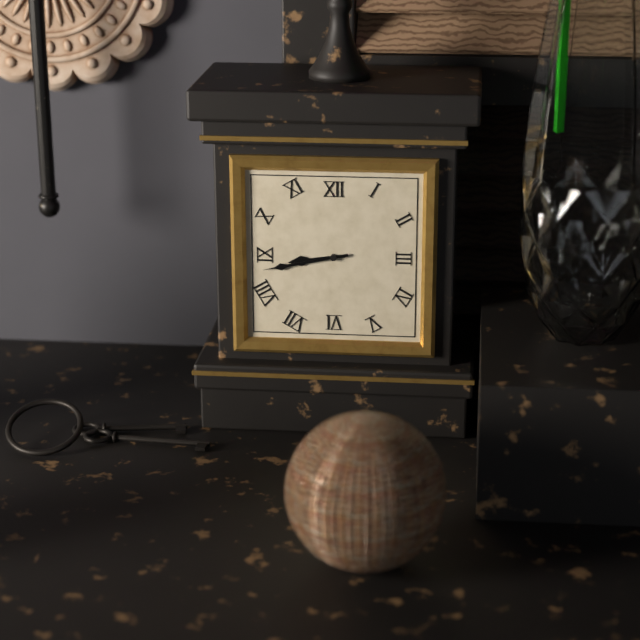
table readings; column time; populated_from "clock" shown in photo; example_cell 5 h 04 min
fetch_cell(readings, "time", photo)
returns 8 h 43 min
